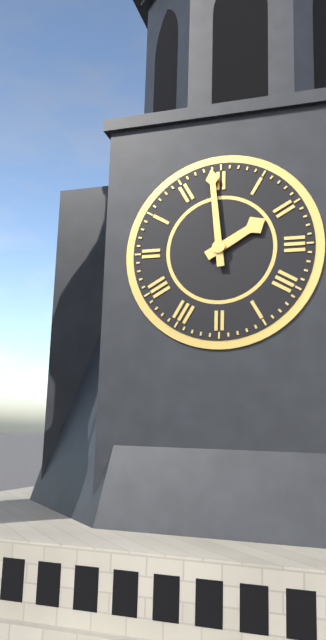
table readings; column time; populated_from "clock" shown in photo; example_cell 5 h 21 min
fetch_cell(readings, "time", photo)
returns 1 h 59 min
